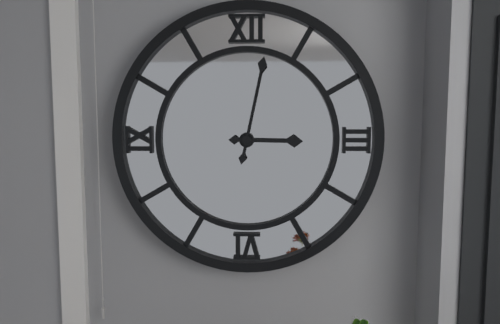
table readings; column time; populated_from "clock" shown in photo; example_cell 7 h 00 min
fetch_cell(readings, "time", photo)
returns 3 h 02 min
